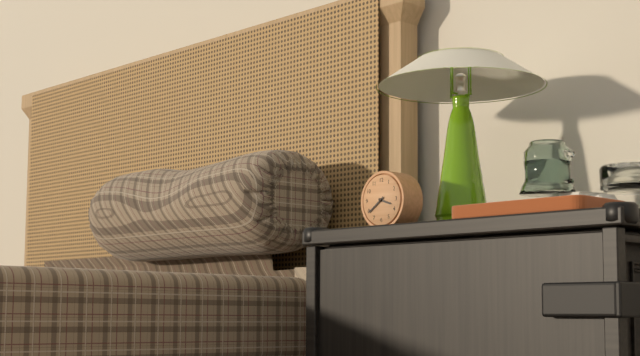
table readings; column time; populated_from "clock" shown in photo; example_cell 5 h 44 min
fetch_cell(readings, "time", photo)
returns 3 h 39 min
